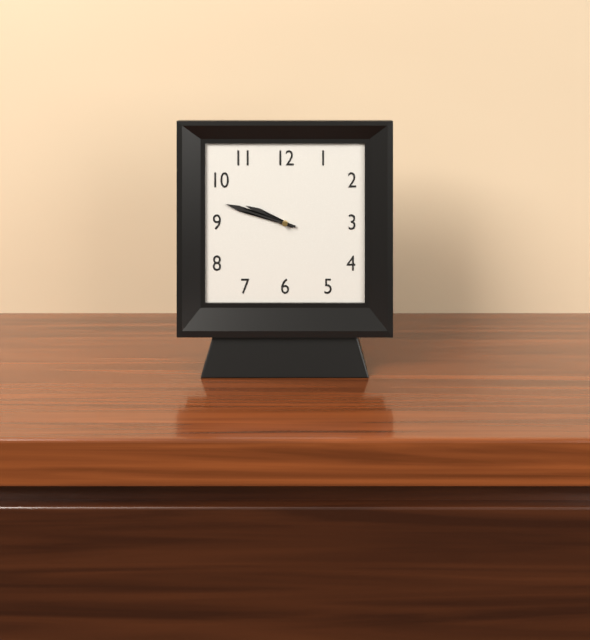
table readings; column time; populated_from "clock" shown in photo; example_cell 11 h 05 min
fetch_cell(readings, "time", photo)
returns 9 h 48 min
